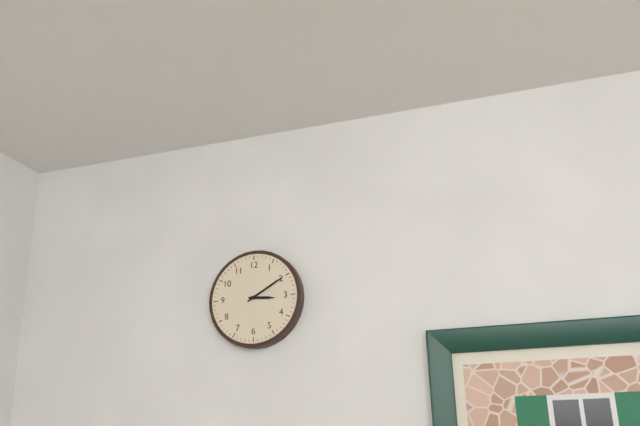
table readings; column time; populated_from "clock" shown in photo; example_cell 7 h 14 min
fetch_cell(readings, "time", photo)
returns 3 h 10 min
